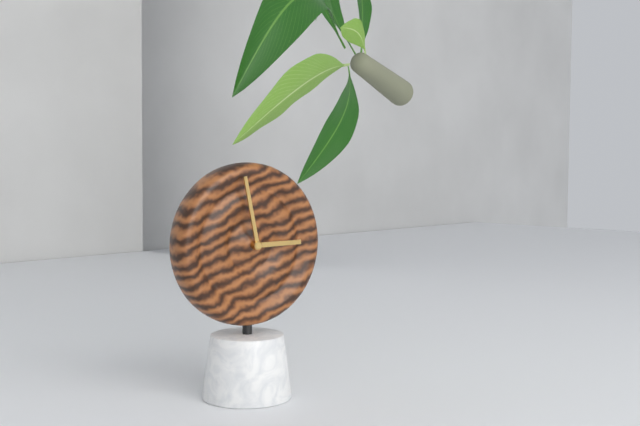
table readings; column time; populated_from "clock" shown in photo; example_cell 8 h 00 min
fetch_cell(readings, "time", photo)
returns 2 h 58 min
